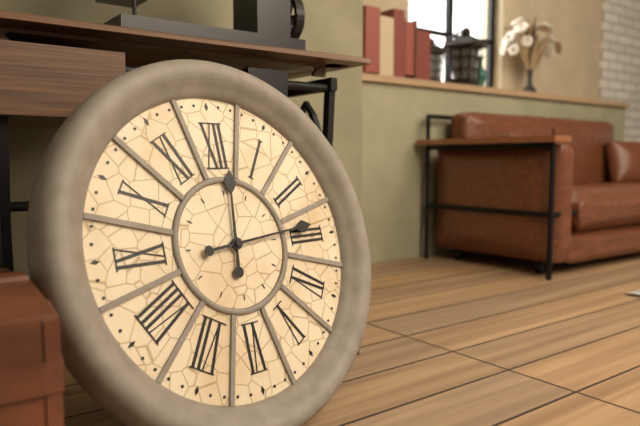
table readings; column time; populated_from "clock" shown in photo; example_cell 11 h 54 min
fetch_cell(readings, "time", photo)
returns 12 h 14 min
